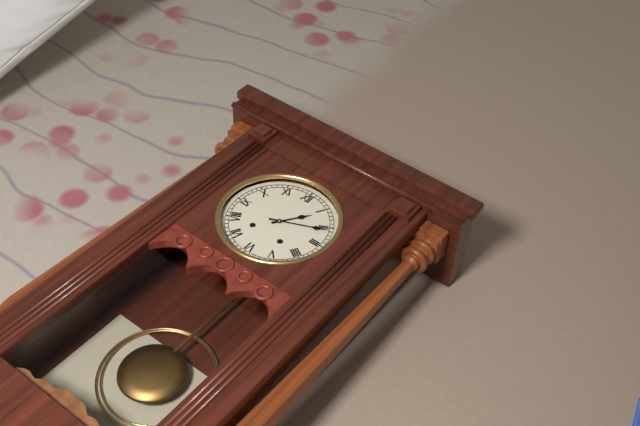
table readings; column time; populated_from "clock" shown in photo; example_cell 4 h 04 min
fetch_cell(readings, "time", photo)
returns 1 h 11 min
